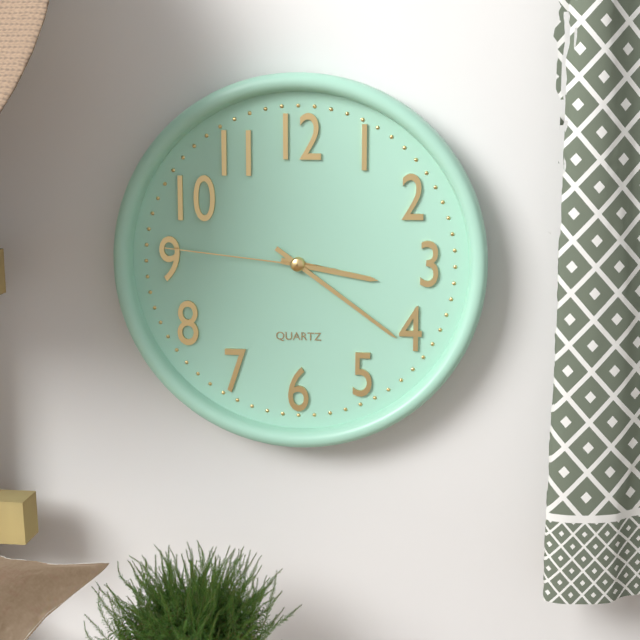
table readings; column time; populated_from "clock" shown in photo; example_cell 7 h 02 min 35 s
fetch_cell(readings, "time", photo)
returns 3 h 21 min 46 s
